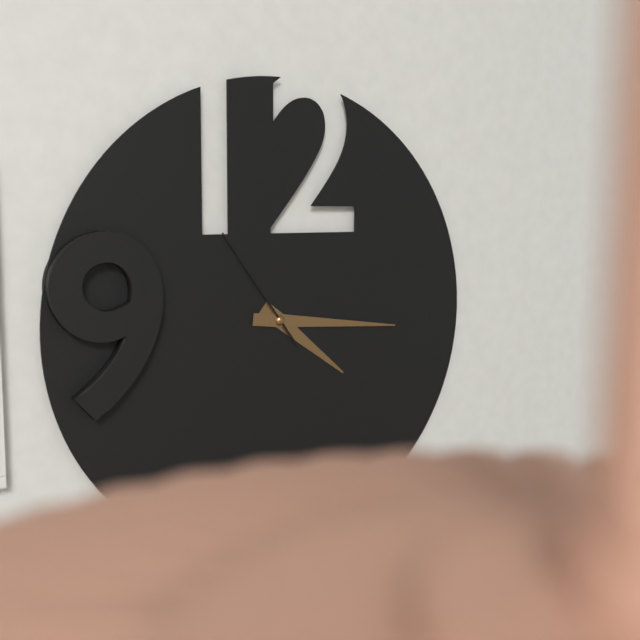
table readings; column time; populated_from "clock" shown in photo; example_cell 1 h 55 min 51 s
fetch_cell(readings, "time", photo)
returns 4 h 16 min 54 s
